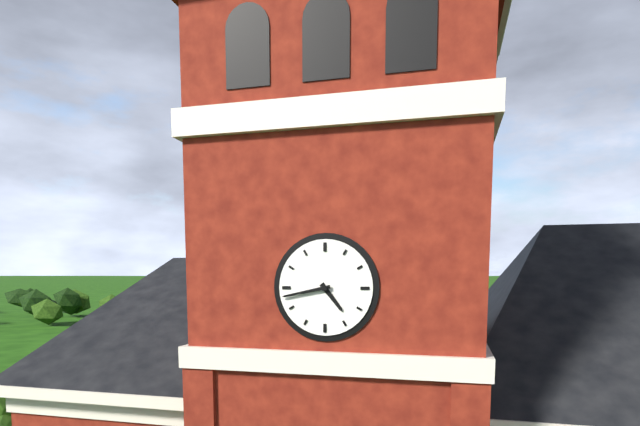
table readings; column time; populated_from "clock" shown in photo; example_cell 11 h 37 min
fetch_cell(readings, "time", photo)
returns 4 h 43 min
